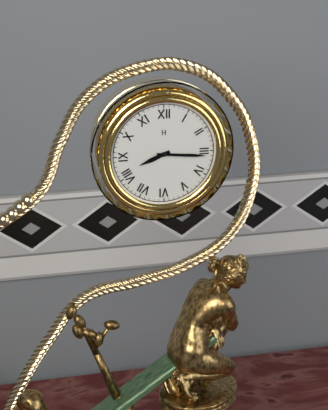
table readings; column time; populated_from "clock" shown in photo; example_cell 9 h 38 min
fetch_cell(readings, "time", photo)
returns 8 h 16 min
